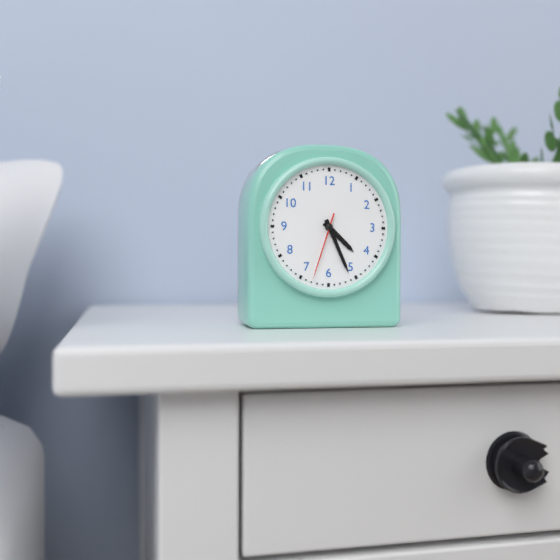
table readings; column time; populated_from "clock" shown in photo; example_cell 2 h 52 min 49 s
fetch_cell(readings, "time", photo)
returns 4 h 26 min 33 s
